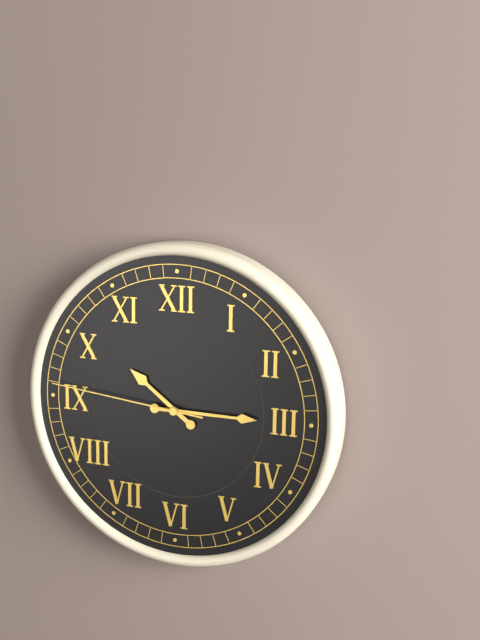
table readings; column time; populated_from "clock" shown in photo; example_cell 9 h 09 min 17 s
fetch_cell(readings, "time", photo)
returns 10 h 15 min 46 s
